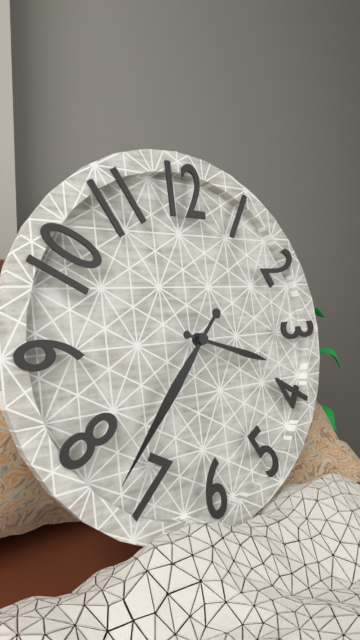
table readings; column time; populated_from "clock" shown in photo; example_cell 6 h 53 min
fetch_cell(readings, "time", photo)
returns 3 h 37 min
